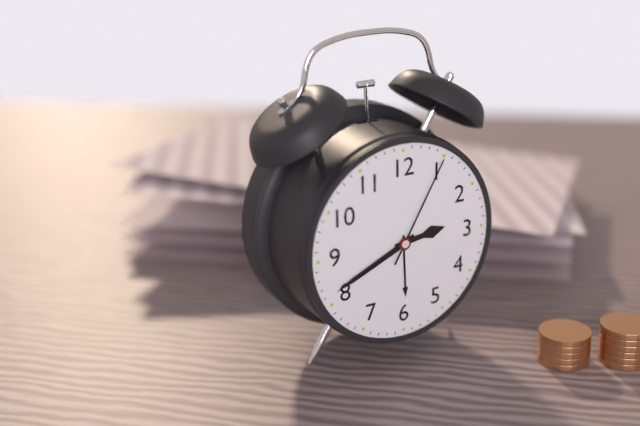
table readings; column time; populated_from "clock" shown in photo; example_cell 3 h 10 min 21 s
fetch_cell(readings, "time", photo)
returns 2 h 41 min 05 s
